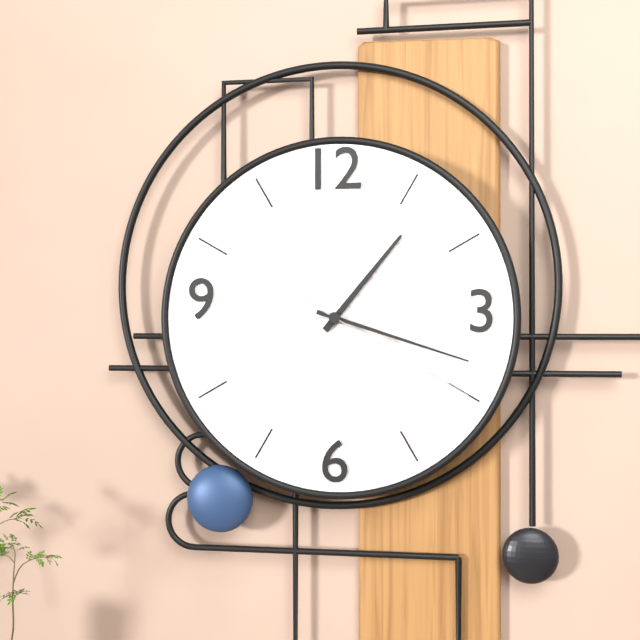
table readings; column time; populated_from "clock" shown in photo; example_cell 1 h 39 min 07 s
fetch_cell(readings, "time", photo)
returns 1 h 18 min 20 s
